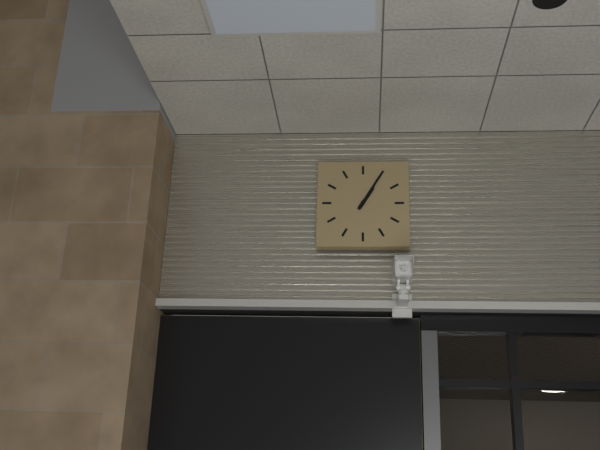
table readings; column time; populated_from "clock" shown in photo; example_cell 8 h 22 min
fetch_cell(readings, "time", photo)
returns 1 h 05 min
